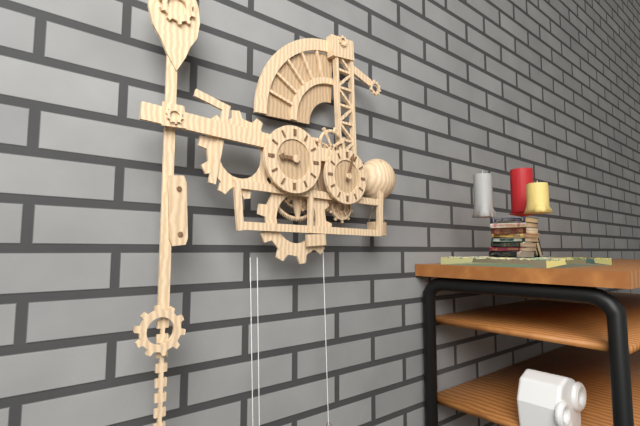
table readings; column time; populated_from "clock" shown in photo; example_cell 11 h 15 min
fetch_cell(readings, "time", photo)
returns 9 h 03 min
